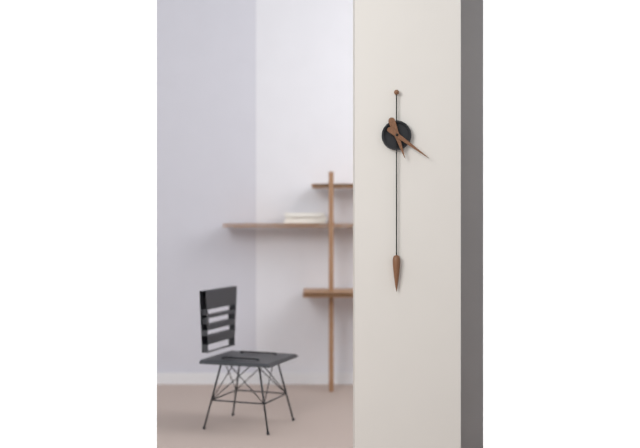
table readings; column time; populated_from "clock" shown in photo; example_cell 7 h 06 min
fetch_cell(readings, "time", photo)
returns 5 h 21 min
